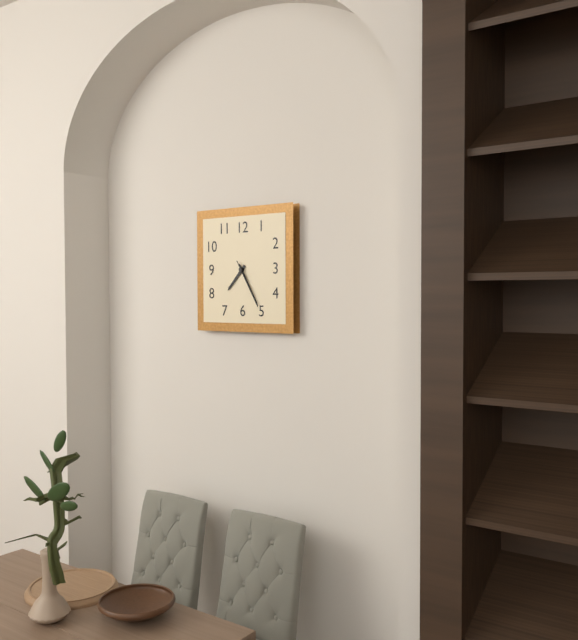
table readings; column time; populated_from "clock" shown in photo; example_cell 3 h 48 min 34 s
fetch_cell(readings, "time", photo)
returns 7 h 25 min 25 s
